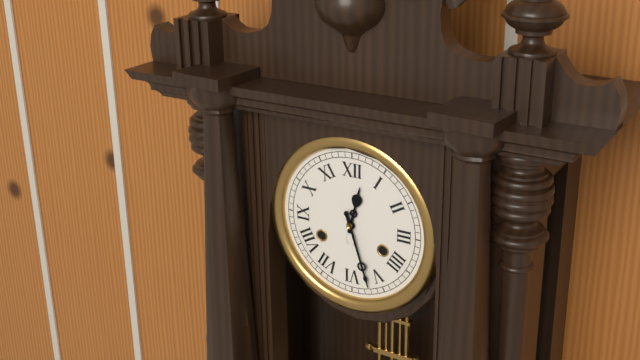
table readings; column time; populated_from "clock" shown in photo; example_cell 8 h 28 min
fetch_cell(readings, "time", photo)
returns 12 h 27 min
